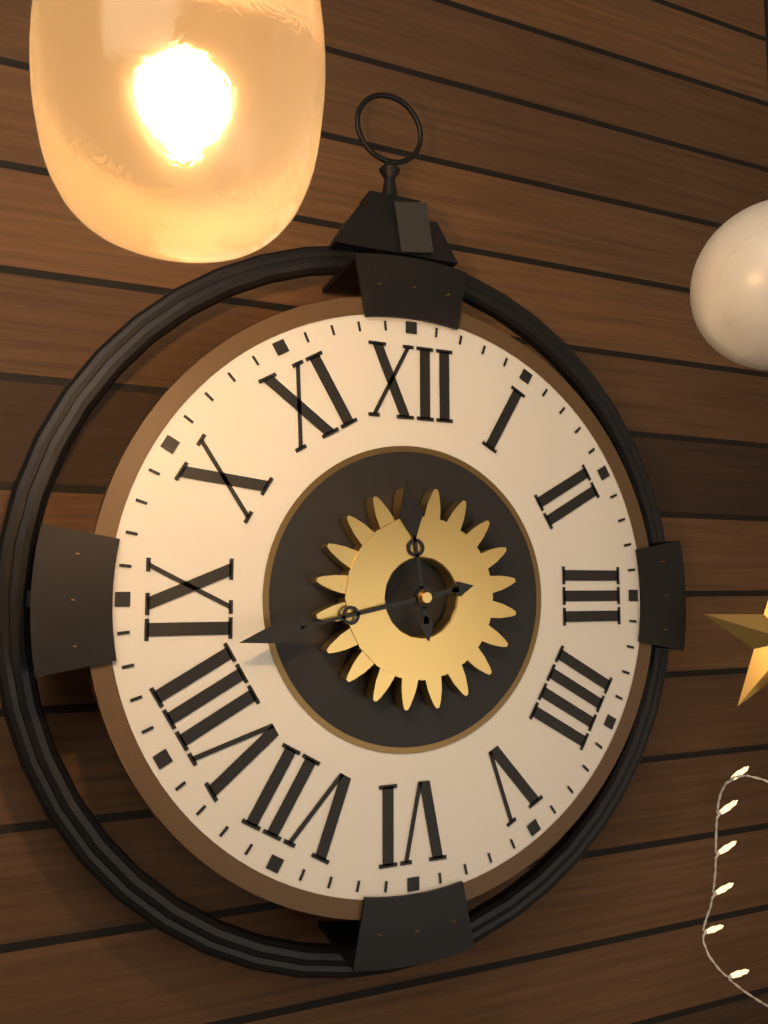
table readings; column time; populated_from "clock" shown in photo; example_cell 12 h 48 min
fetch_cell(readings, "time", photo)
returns 11 h 43 min
